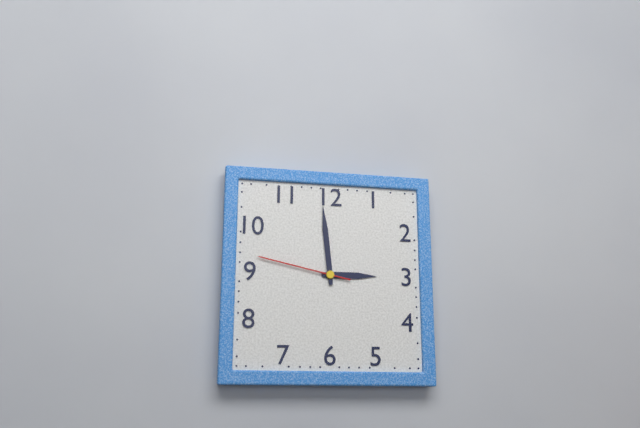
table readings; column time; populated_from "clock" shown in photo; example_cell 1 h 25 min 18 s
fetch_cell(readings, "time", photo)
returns 2 h 59 min 47 s
